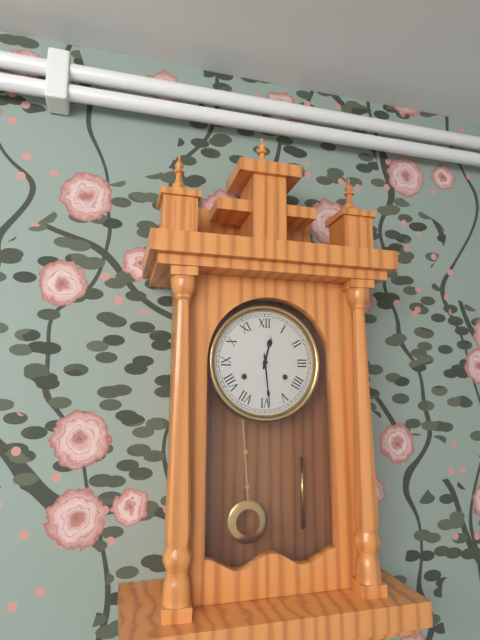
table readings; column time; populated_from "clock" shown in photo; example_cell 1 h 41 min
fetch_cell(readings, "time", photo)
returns 12 h 29 min
